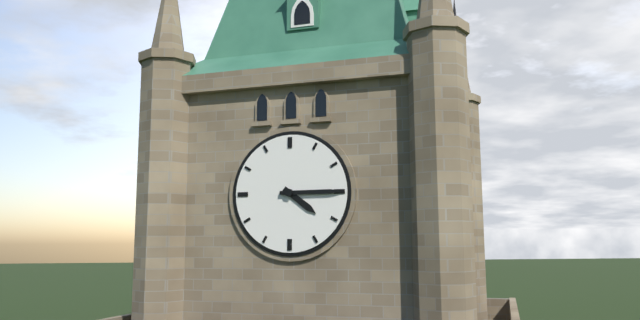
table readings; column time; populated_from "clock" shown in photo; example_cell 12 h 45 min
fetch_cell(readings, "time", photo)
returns 4 h 15 min
